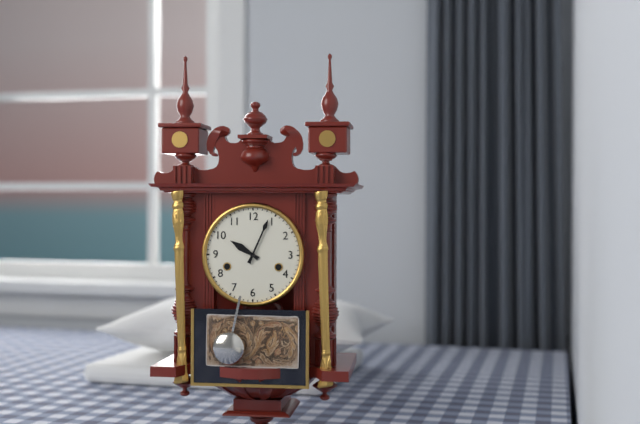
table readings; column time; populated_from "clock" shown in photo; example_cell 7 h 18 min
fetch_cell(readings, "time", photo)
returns 10 h 04 min
